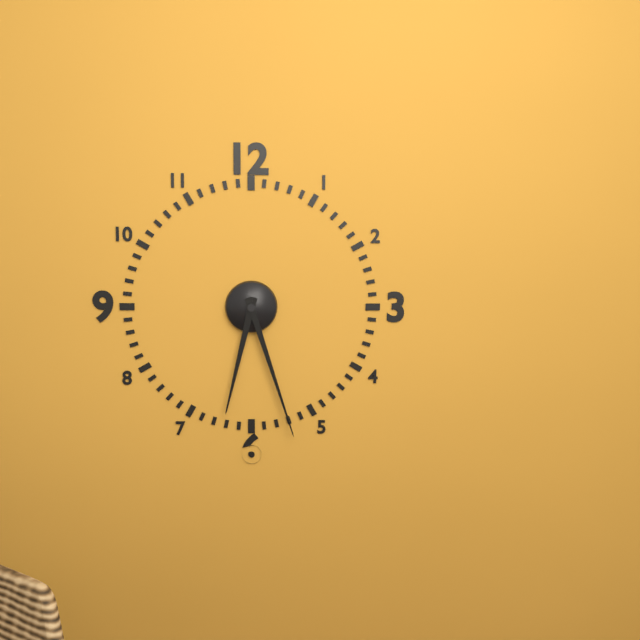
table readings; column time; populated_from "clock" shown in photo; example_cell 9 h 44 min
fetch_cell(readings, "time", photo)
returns 6 h 27 min
